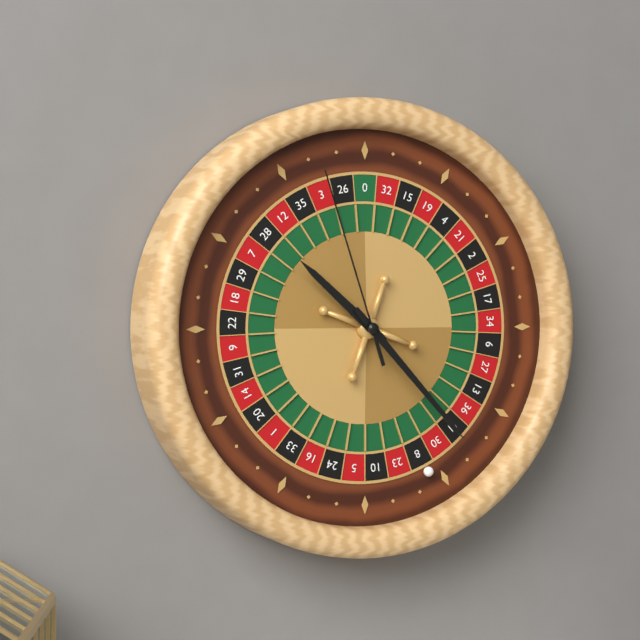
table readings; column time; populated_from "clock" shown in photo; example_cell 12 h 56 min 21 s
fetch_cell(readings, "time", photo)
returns 10 h 23 min 57 s
